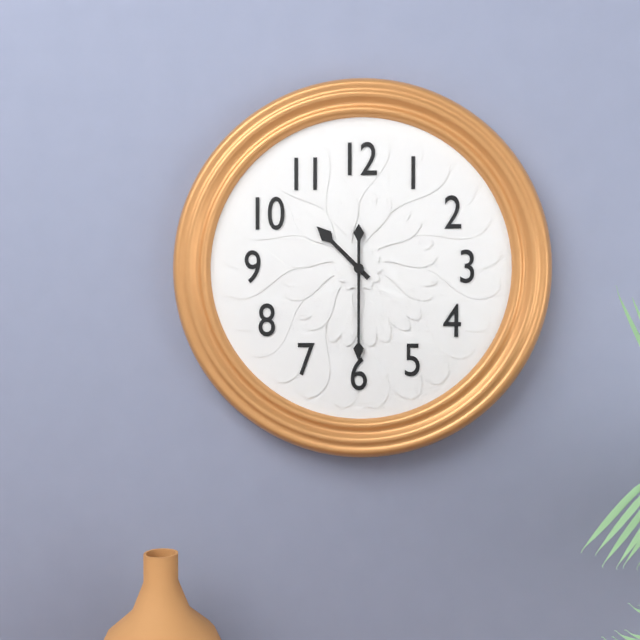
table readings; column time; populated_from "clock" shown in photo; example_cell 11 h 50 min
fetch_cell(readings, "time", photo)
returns 10 h 30 min
